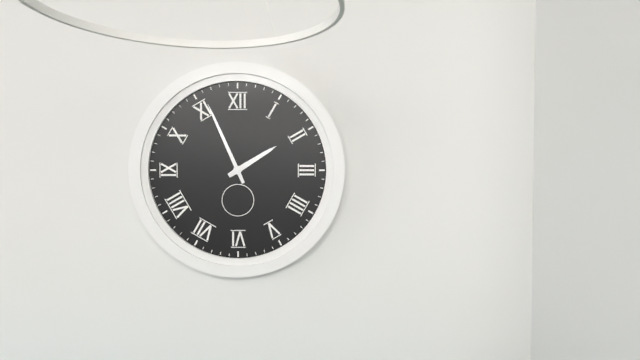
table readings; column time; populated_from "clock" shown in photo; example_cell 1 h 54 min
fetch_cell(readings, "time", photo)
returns 1 h 56 min
